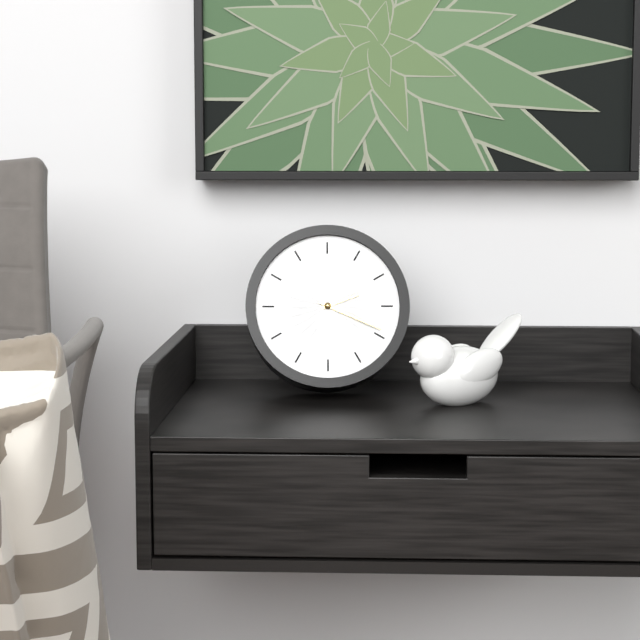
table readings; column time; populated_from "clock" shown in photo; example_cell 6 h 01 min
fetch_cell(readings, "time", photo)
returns 2 h 19 min
